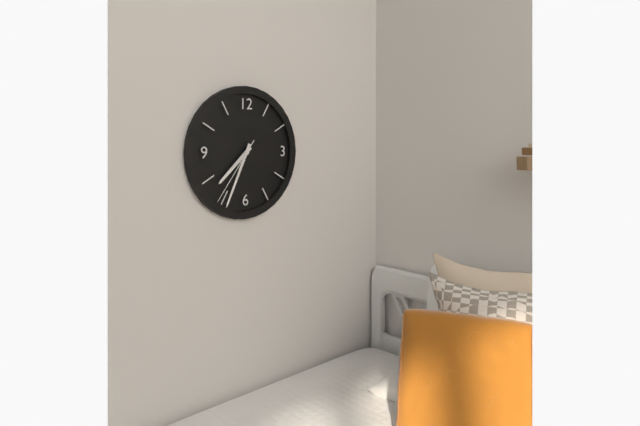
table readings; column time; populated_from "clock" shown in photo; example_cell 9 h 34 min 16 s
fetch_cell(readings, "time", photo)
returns 7 h 34 min 36 s
